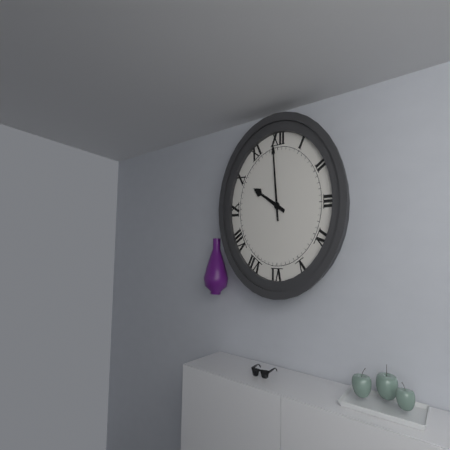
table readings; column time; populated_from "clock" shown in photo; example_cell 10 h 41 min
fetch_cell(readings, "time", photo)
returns 9 h 59 min
